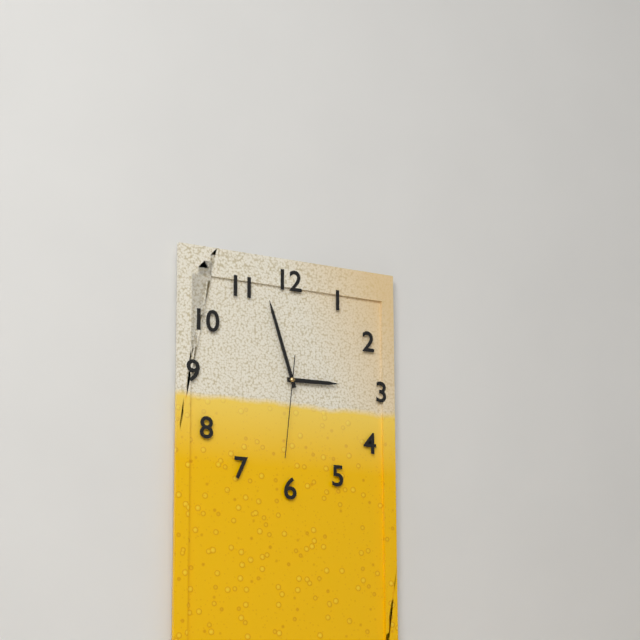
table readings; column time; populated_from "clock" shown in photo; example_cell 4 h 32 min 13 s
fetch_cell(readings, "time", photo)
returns 2 h 57 min 31 s
